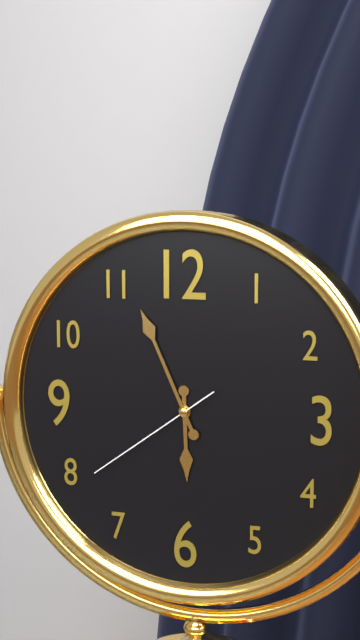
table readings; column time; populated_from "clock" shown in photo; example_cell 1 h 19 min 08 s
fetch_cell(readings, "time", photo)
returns 5 h 56 min 39 s
